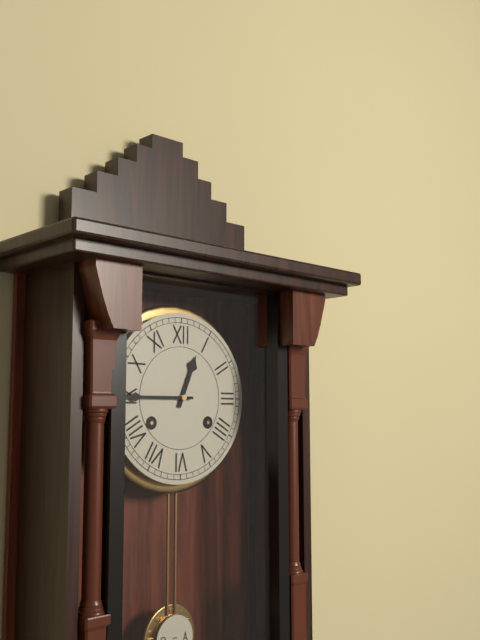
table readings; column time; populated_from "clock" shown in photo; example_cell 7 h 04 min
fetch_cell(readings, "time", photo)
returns 12 h 45 min
